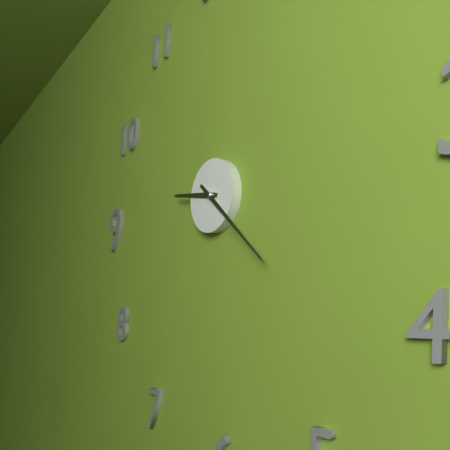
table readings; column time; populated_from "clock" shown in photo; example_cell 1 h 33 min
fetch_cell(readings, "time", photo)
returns 9 h 22 min
